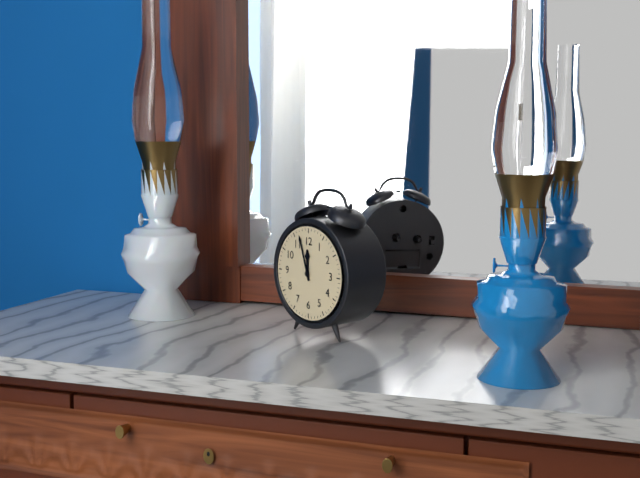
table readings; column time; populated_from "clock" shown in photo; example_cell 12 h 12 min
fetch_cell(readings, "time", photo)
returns 11 h 57 min
